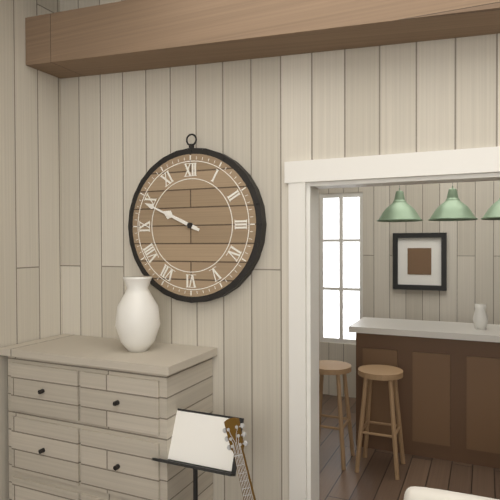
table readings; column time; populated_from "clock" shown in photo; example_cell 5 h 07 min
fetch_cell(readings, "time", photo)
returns 9 h 49 min
